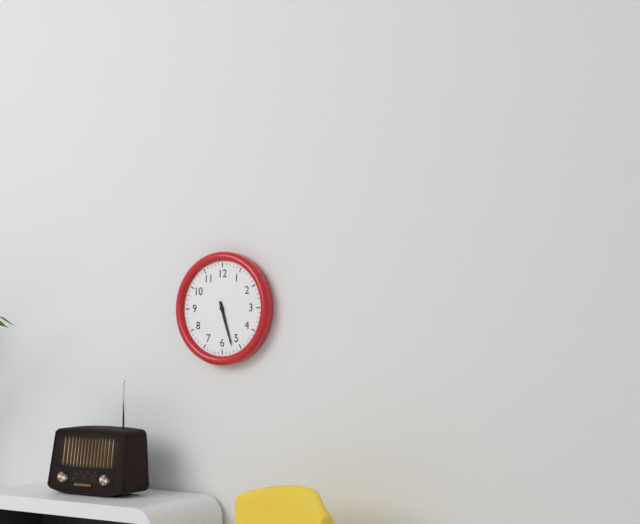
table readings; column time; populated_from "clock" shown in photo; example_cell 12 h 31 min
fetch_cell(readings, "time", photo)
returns 5 h 27 min
